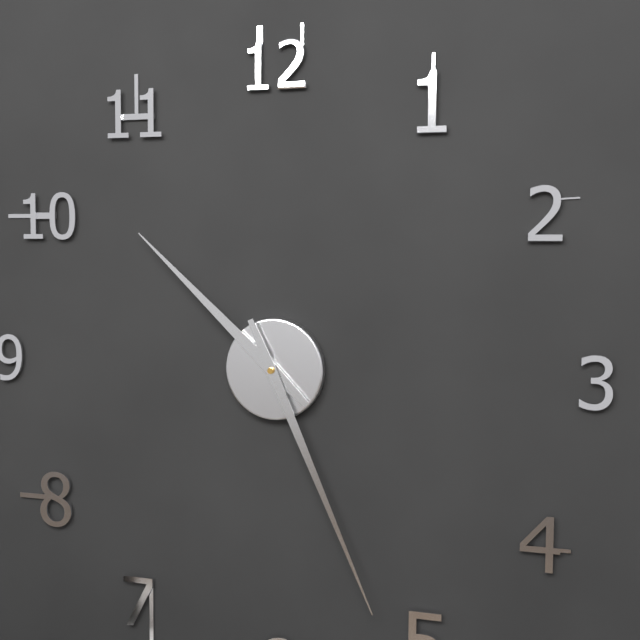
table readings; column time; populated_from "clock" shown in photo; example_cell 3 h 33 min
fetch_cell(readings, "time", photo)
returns 10 h 26 min
